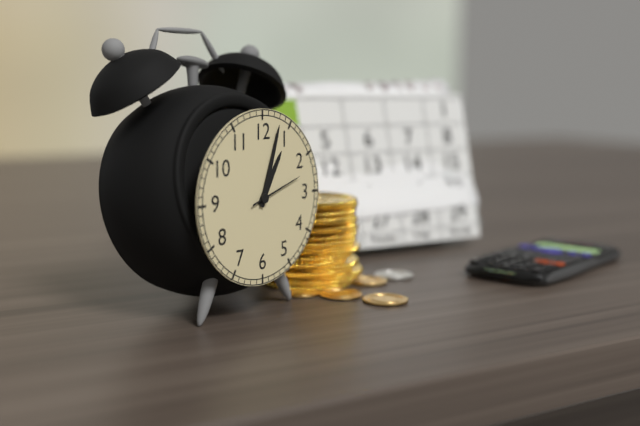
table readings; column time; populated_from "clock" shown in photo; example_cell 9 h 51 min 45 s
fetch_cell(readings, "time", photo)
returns 1 h 03 min 12 s
